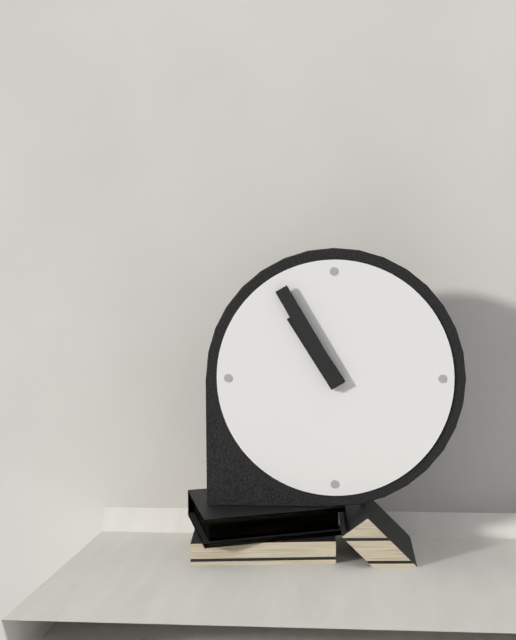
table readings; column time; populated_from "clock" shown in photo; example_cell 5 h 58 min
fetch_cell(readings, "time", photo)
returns 10 h 55 min
